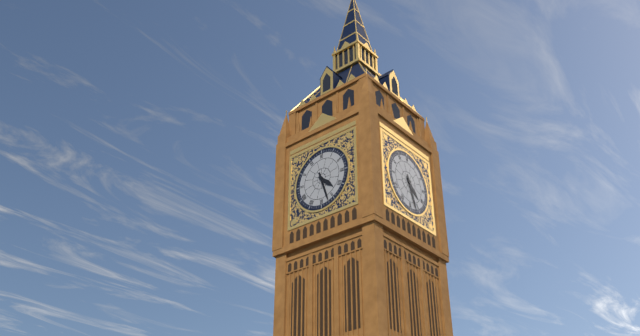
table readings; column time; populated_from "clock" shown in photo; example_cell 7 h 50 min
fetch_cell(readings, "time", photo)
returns 4 h 27 min
